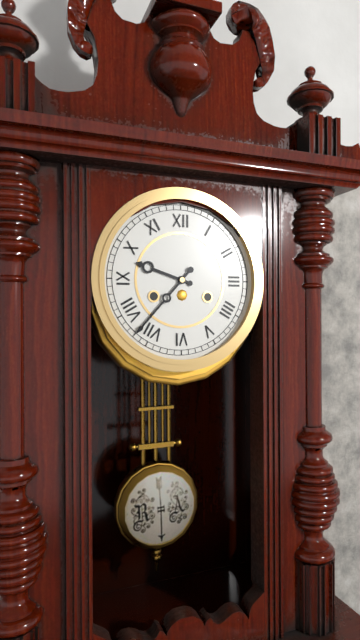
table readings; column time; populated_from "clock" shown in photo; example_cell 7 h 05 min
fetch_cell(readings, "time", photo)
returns 9 h 37 min
